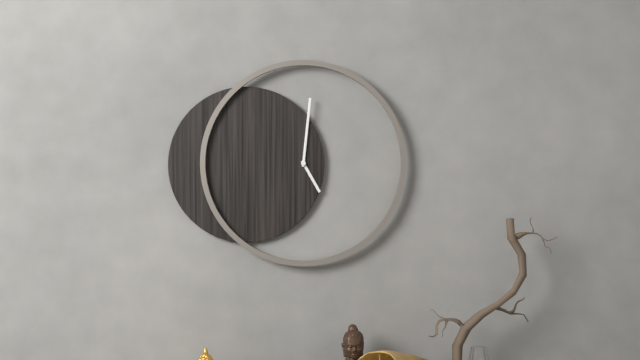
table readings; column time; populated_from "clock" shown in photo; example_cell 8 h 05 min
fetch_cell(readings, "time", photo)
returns 5 h 01 min
